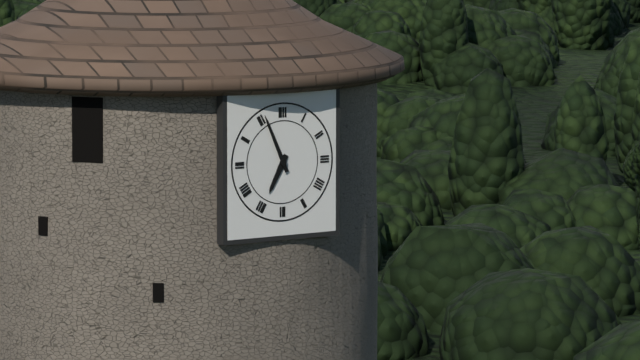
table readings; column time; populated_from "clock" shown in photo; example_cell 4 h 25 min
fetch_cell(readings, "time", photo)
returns 6 h 56 min
